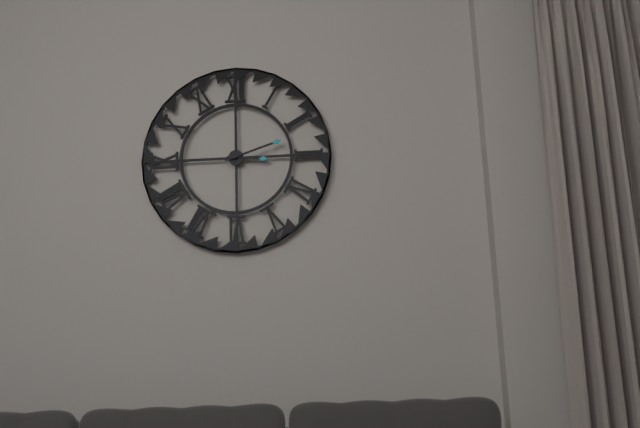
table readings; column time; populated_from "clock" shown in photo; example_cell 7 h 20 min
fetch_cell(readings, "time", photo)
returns 3 h 12 min
